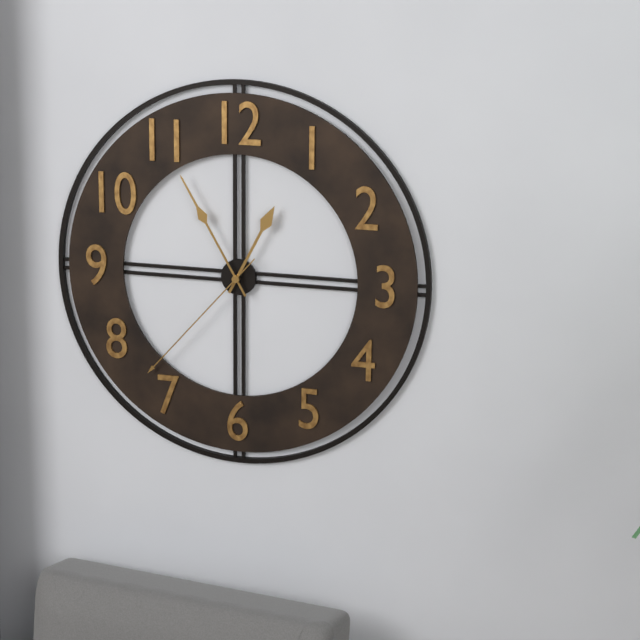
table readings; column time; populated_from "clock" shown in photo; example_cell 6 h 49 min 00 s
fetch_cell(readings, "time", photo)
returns 12 h 55 min 37 s
